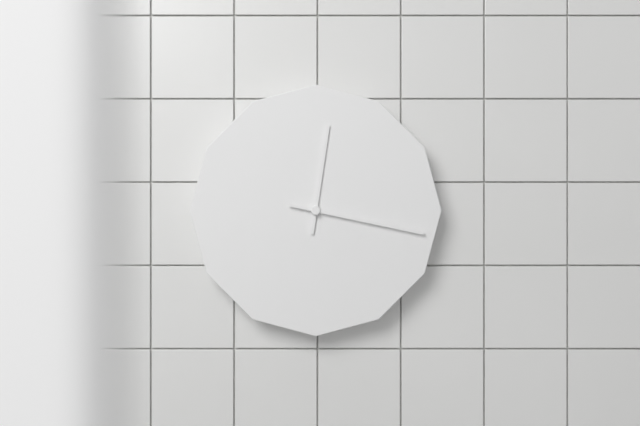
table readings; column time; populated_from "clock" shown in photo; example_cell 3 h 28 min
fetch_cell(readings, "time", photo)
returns 12 h 17 min
